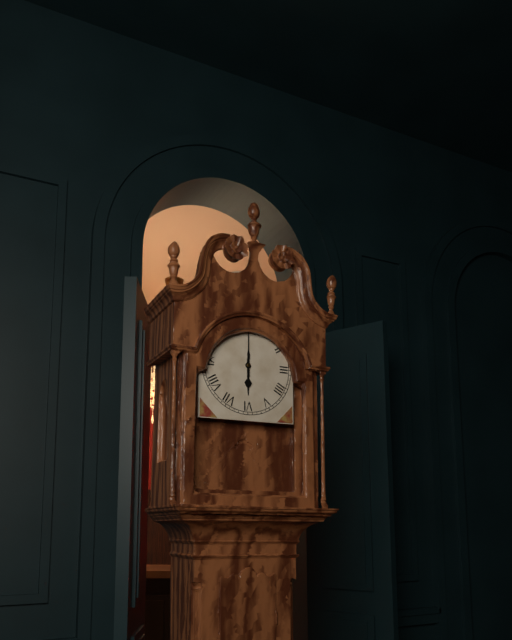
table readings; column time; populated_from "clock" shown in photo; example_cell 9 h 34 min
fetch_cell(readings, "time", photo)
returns 6 h 00 min
